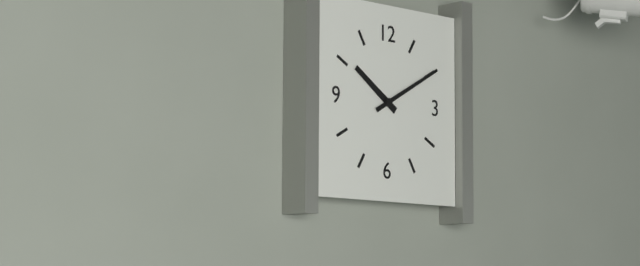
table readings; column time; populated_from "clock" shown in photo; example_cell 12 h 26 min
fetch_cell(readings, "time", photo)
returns 10 h 10 min
